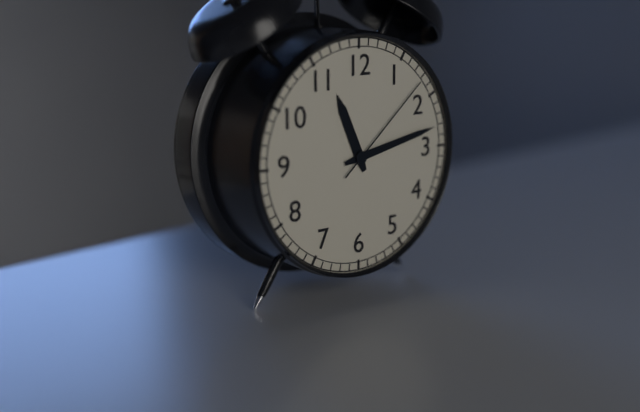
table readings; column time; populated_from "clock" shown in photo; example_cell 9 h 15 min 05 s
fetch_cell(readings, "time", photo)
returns 11 h 13 min 08 s
